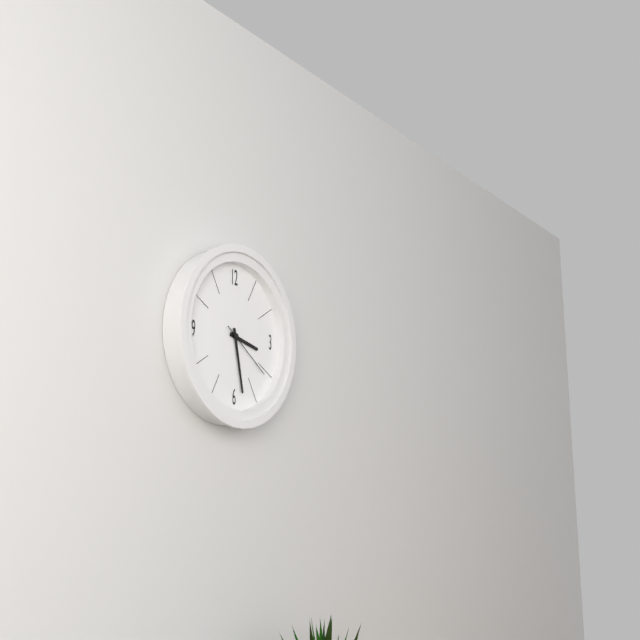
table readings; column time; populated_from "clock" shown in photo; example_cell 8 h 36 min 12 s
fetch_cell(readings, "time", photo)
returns 3 h 28 min 21 s
